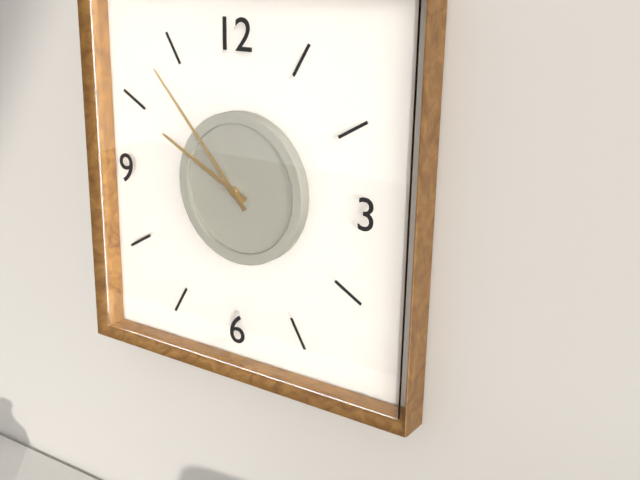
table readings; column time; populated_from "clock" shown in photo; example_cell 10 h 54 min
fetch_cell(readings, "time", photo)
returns 9 h 53 min
